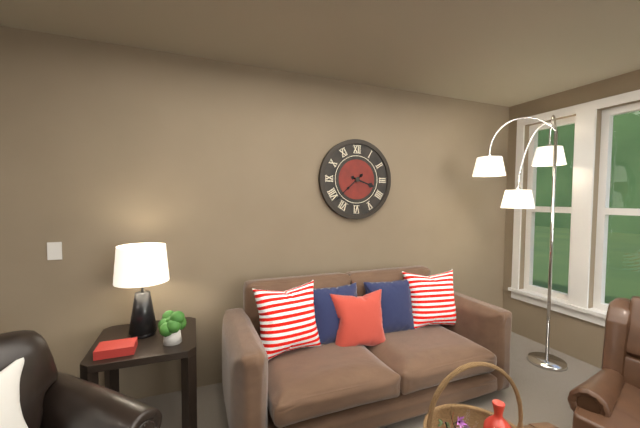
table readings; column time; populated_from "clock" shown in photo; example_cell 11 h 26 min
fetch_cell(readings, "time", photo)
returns 3 h 38 min
